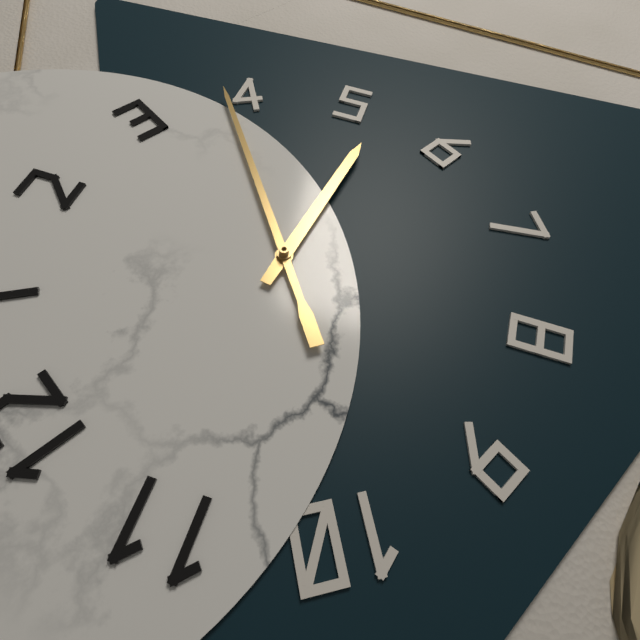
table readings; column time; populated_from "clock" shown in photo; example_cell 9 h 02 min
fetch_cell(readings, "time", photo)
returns 5 h 19 min
